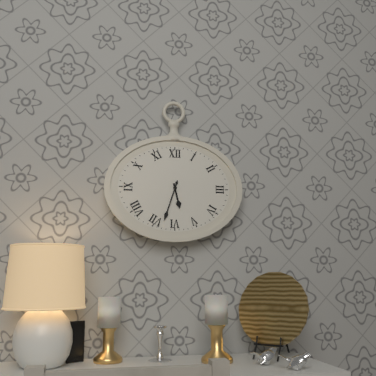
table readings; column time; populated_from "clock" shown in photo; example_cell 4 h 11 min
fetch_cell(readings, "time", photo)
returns 5 h 33 min
